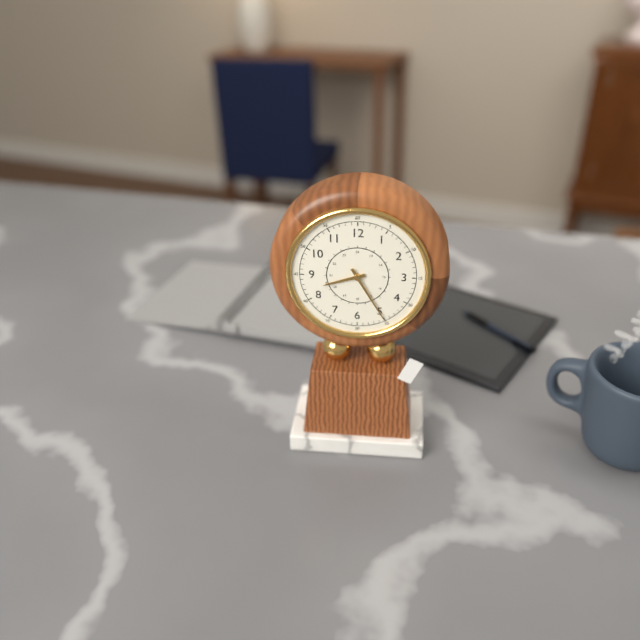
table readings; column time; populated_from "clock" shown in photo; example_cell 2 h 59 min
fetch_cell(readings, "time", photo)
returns 8 h 25 min
